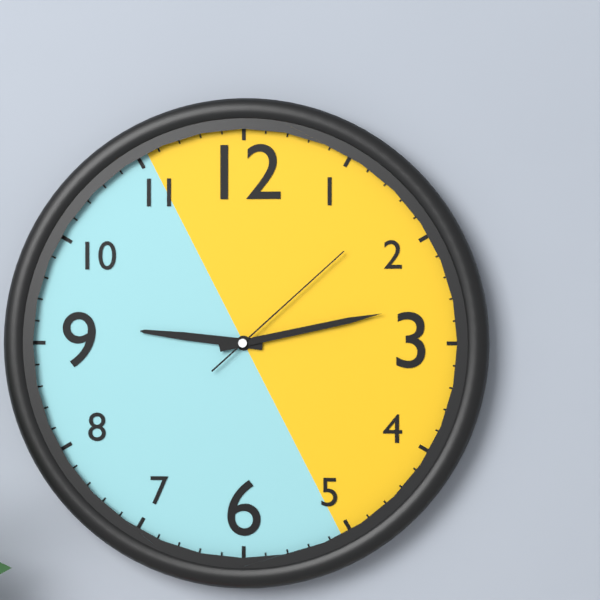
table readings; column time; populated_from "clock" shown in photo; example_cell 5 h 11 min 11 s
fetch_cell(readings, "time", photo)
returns 9 h 13 min 08 s
